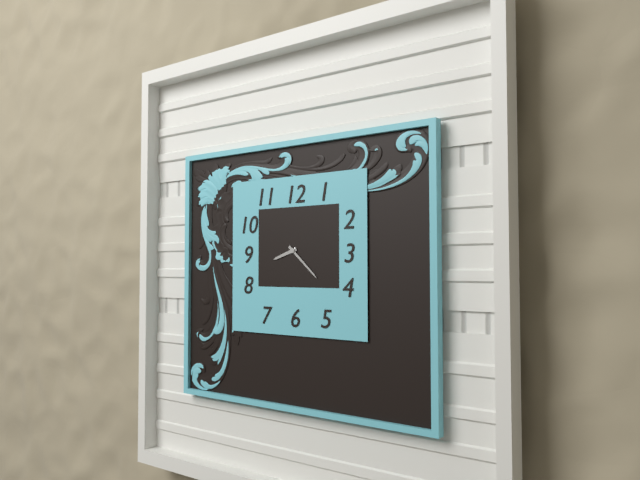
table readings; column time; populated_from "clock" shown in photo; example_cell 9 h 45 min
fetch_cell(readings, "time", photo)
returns 8 h 22 min
